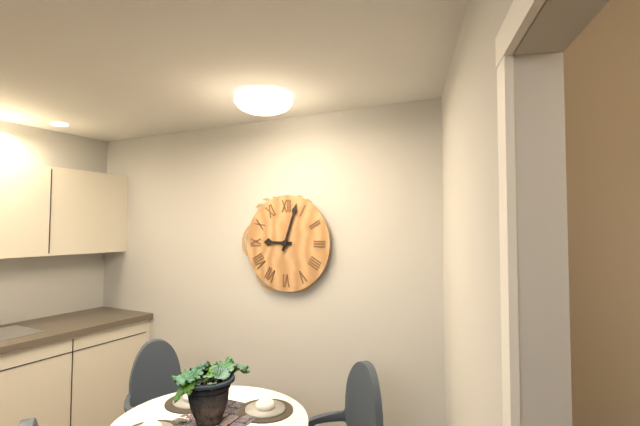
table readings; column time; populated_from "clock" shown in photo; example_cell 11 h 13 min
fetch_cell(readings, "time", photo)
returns 9 h 03 min
